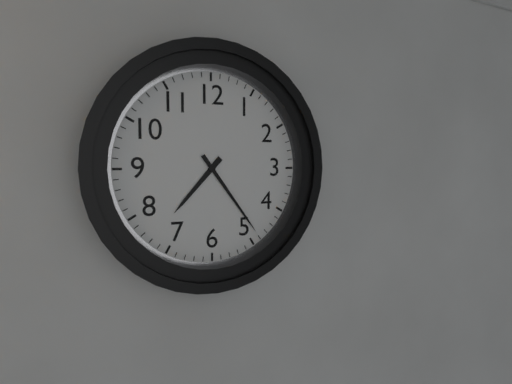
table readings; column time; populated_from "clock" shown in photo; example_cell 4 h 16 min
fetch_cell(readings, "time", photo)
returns 7 h 24 min
